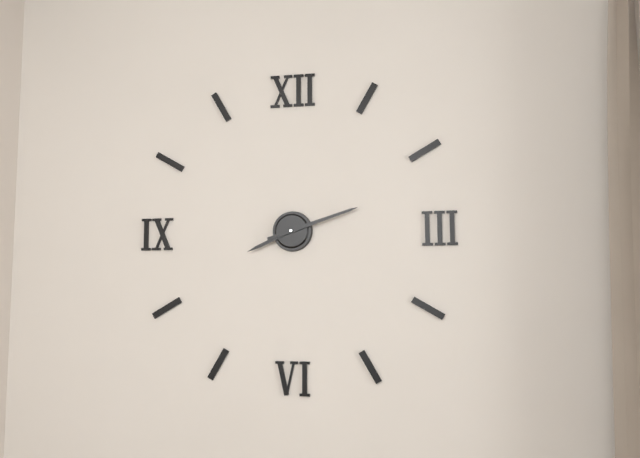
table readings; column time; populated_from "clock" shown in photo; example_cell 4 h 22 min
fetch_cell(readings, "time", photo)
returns 8 h 12 min
